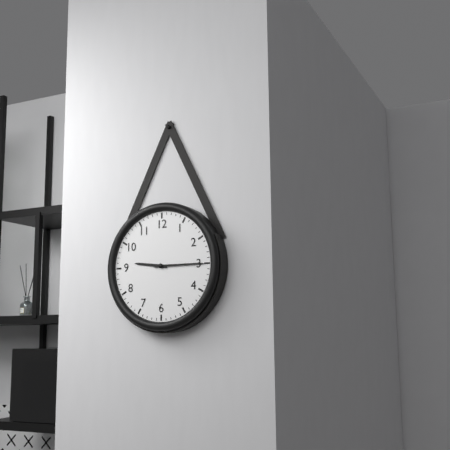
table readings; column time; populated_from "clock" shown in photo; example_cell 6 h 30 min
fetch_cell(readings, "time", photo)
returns 9 h 15 min
